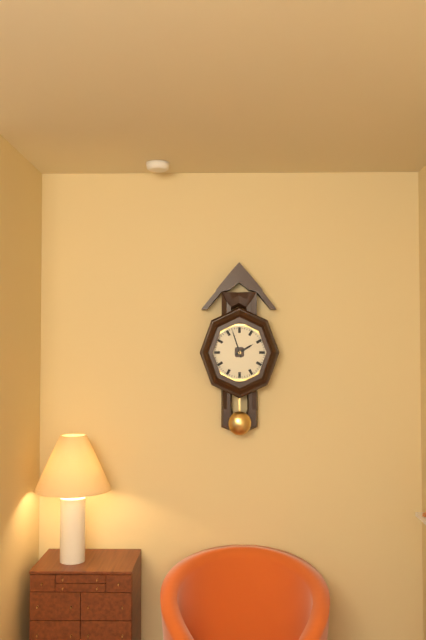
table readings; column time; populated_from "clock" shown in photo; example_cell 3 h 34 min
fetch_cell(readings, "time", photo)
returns 1 h 57 min
